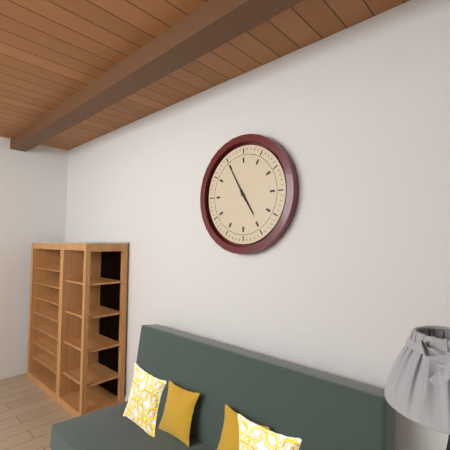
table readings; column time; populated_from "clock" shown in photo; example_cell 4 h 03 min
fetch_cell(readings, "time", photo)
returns 4 h 55 min
